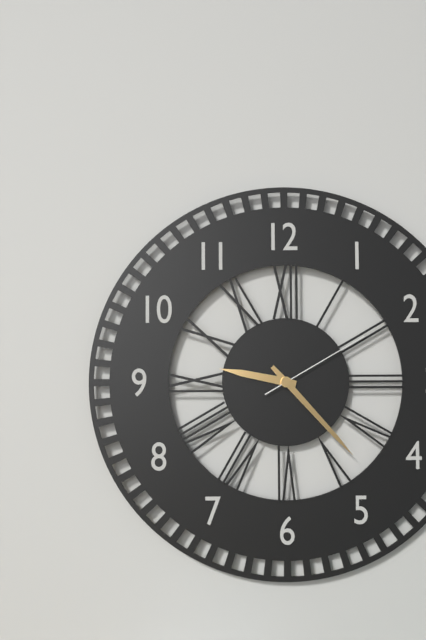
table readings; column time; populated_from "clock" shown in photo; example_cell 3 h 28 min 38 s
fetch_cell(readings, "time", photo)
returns 9 h 23 min 10 s
